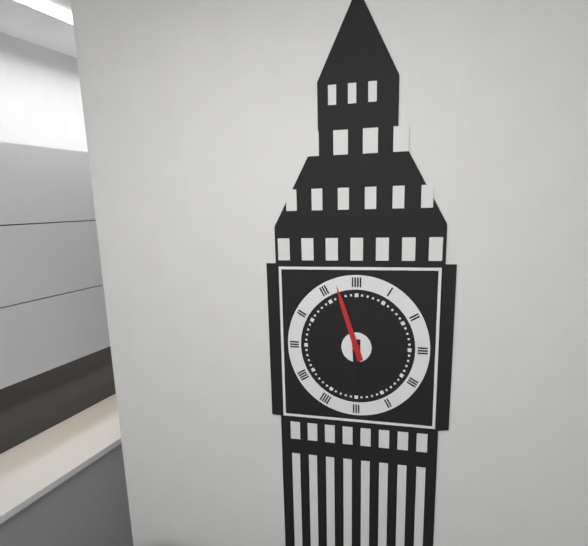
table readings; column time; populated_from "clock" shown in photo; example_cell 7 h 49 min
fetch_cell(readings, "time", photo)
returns 5 h 57 min
